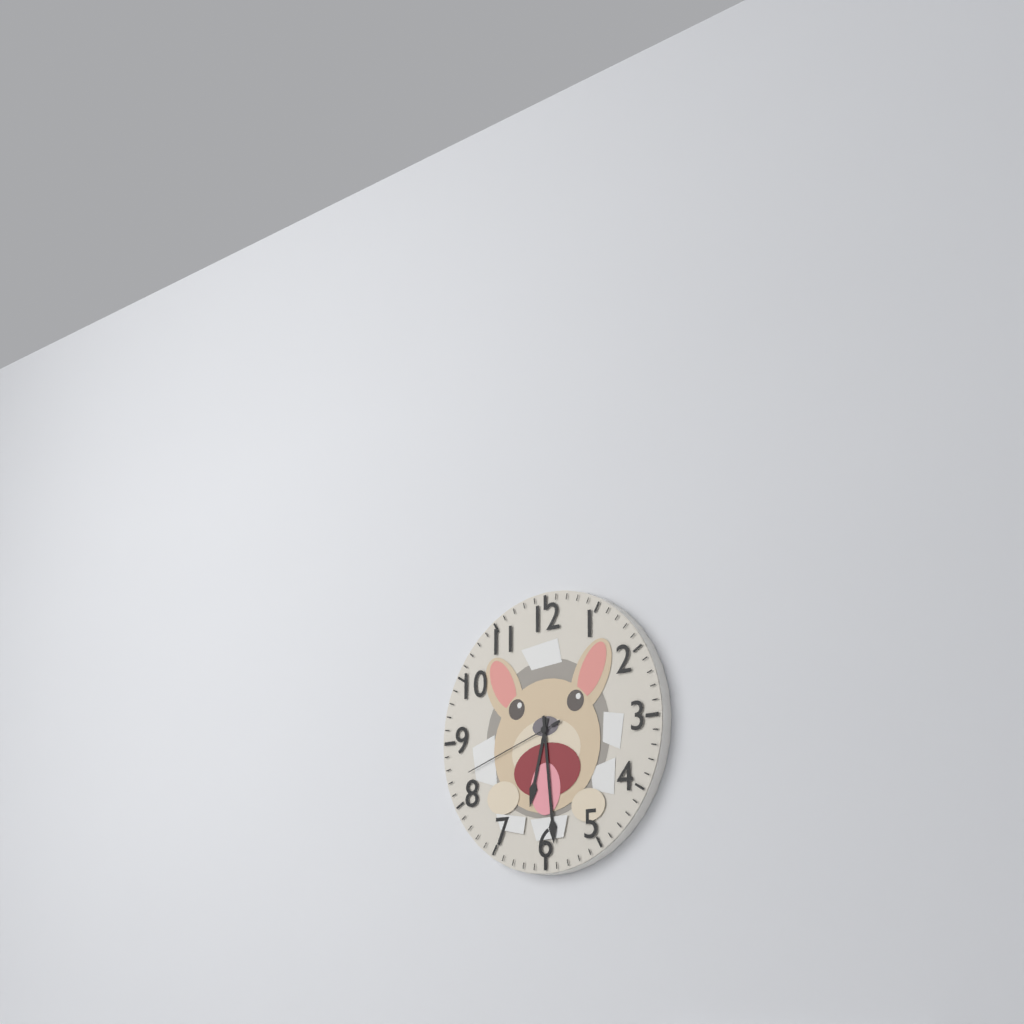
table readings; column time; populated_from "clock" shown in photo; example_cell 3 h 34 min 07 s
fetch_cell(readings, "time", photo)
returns 6 h 29 min 42 s
